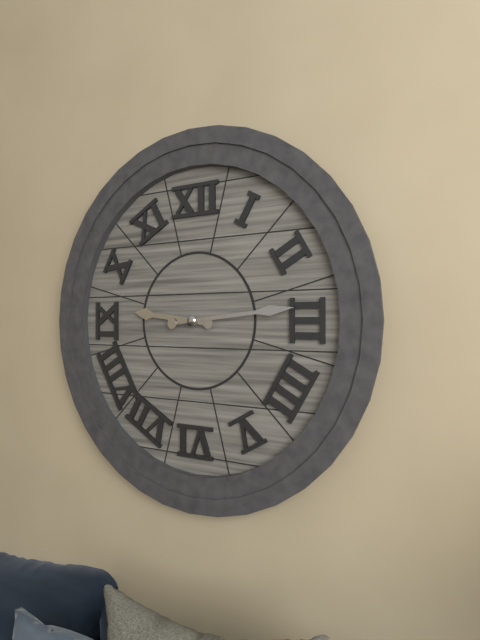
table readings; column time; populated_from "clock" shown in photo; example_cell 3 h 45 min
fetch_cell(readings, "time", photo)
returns 9 h 14 min
